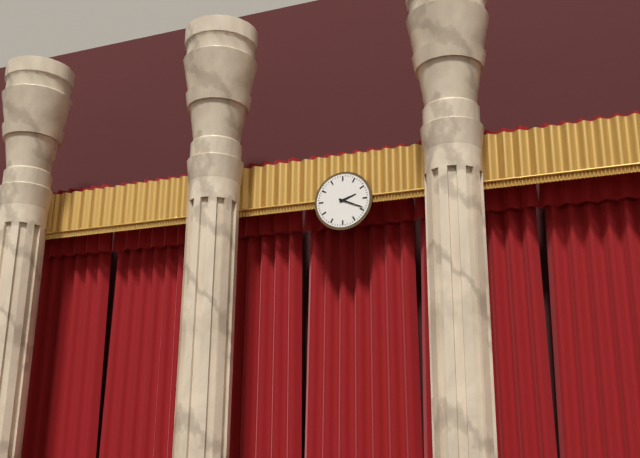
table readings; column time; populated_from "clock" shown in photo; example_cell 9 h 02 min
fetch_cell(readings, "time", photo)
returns 2 h 19 min
